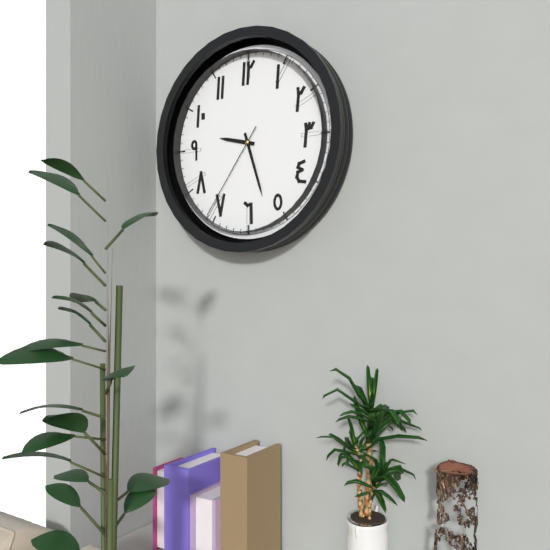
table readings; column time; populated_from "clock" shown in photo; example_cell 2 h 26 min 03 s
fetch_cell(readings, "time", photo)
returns 9 h 27 min 36 s
